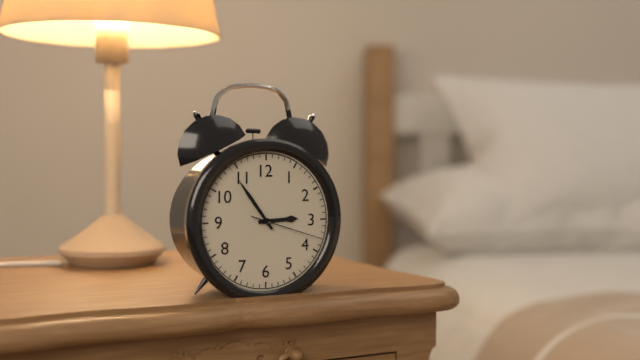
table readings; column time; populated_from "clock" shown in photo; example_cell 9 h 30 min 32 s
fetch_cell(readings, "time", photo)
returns 2 h 54 min 18 s
